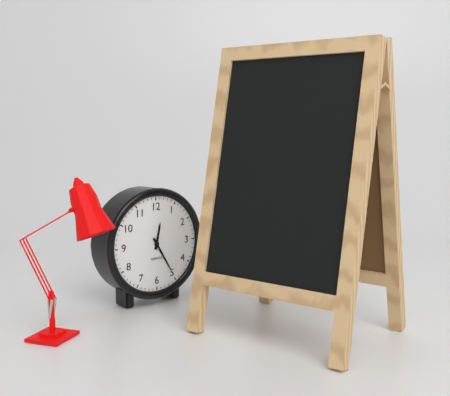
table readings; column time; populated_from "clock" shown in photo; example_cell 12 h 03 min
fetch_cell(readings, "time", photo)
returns 12 h 25 min
